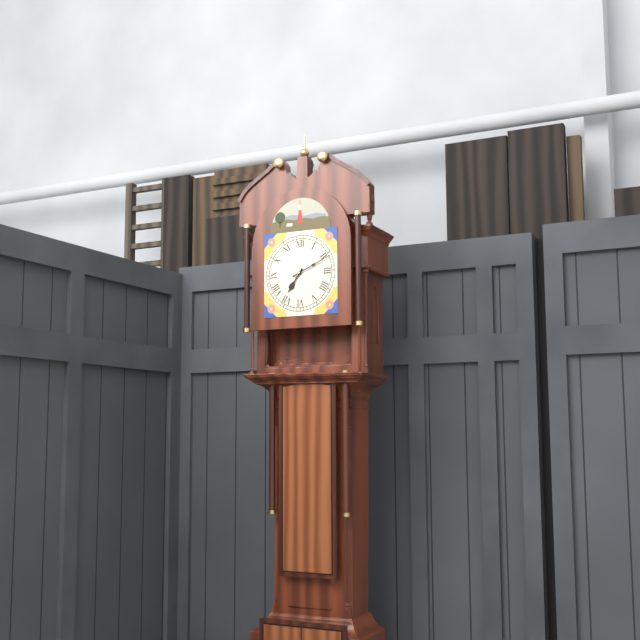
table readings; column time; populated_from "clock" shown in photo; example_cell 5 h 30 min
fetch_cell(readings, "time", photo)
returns 7 h 11 min
